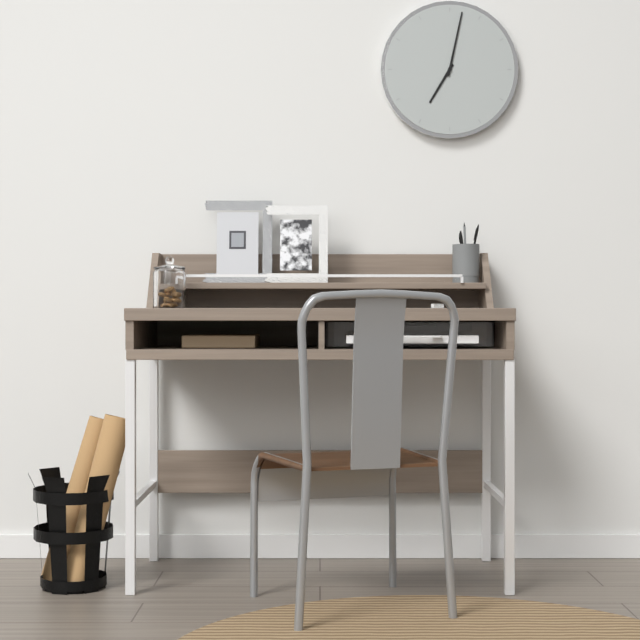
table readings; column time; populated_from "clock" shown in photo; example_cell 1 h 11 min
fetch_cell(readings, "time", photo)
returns 7 h 02 min
